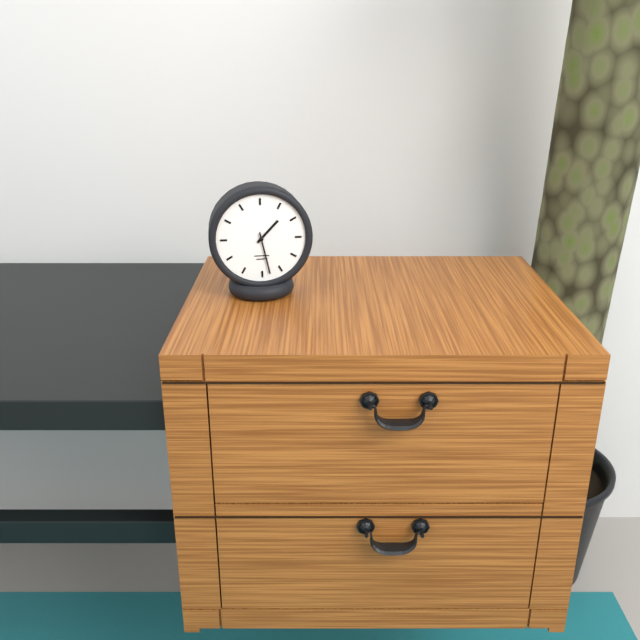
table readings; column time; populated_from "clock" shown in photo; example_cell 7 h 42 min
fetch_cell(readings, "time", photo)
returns 1 h 28 min
